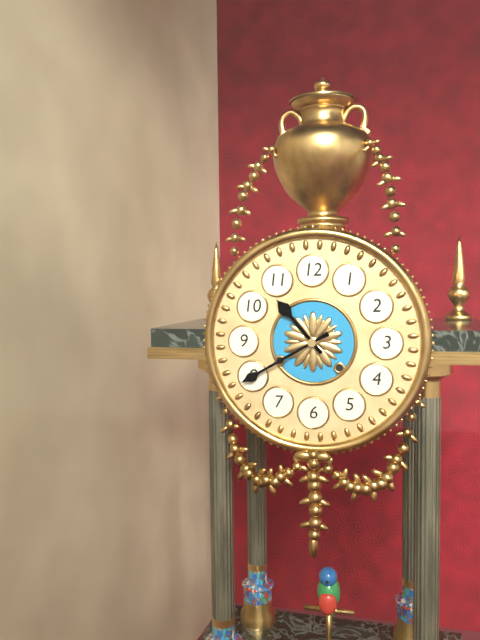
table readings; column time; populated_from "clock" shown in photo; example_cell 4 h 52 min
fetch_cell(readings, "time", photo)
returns 10 h 40 min
